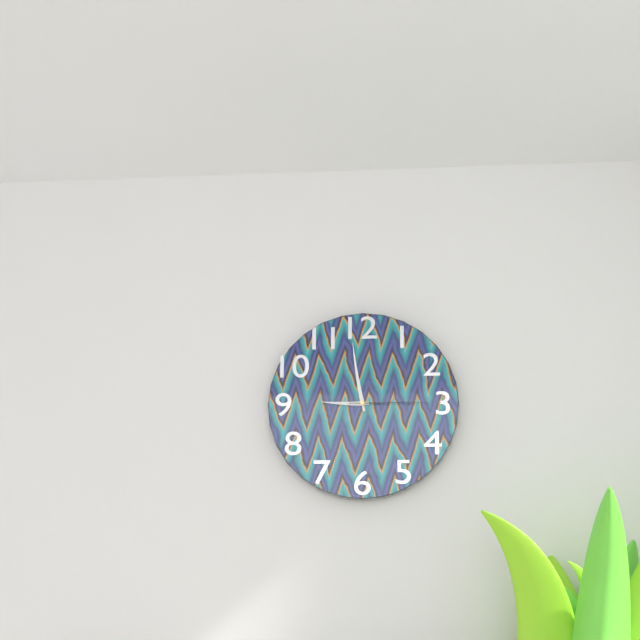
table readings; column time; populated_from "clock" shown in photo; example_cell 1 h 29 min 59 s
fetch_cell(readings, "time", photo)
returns 8 h 58 min 15 s
